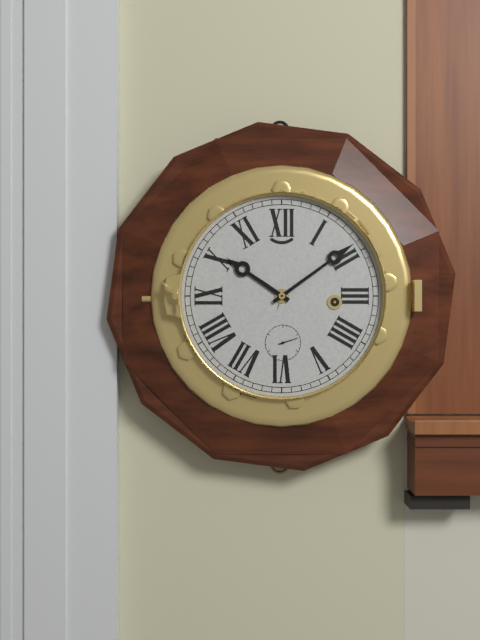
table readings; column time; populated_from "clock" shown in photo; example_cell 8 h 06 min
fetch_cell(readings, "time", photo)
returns 10 h 09 min
